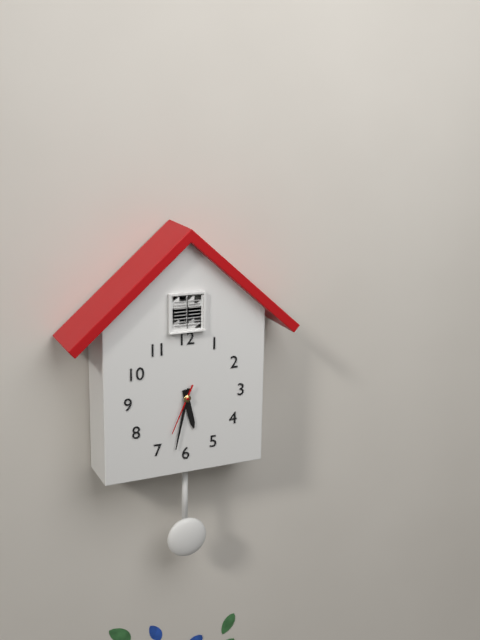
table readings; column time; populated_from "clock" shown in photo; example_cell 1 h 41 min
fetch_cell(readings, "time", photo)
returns 5 h 32 min
